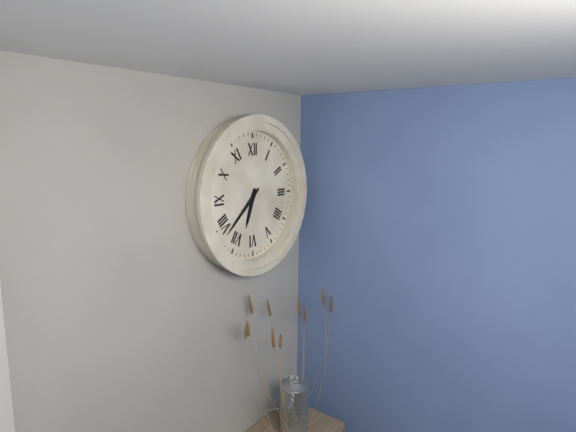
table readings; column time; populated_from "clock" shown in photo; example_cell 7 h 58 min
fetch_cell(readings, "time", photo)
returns 6 h 38 min
